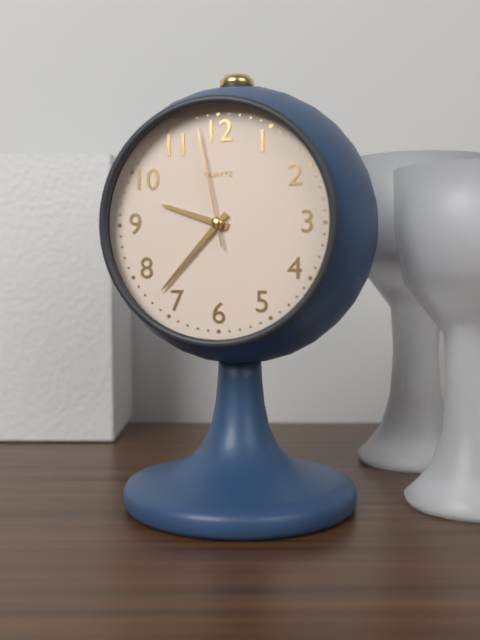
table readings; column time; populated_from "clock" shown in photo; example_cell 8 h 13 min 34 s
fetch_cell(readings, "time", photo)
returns 9 h 37 min 58 s
